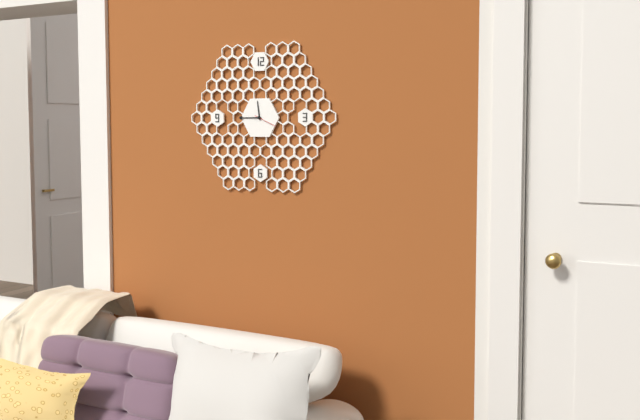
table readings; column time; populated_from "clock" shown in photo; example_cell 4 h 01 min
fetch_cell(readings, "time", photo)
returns 11 h 45 min
